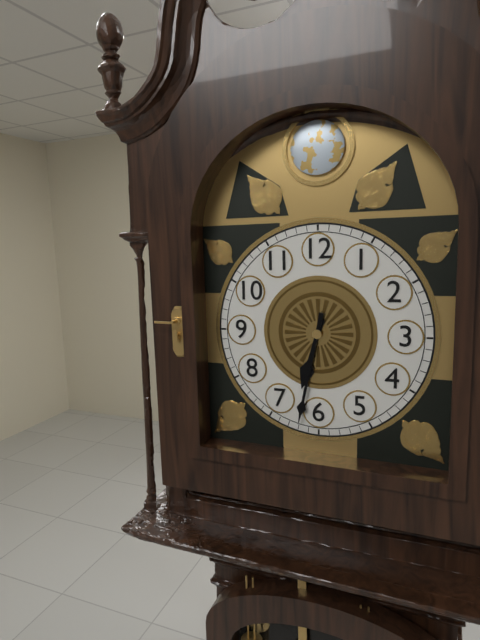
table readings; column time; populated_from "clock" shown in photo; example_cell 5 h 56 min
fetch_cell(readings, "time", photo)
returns 6 h 32 min
